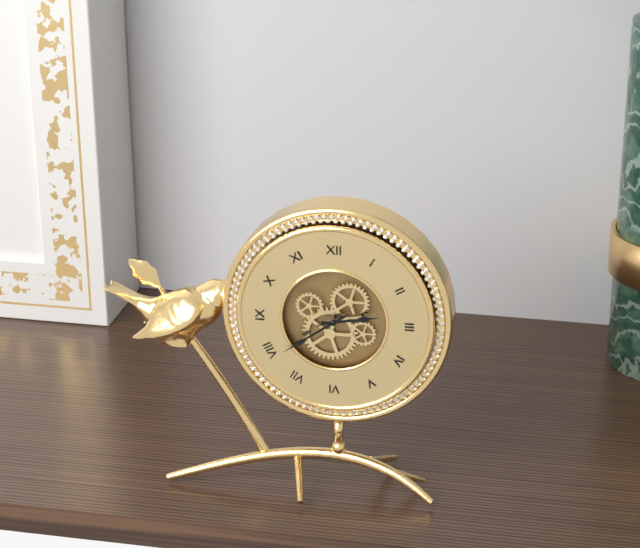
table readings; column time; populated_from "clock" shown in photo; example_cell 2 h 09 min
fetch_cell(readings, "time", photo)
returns 2 h 39 min
